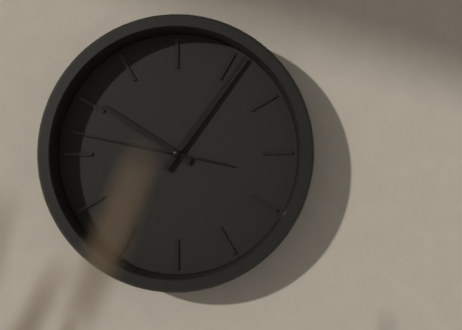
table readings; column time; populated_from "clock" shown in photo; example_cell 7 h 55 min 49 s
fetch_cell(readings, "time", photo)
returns 10 h 06 min 47 s
